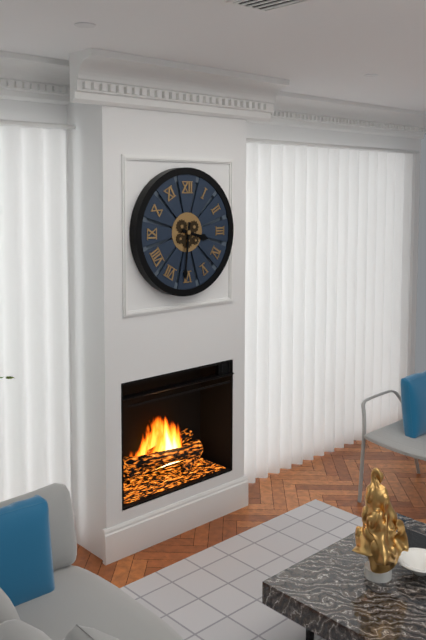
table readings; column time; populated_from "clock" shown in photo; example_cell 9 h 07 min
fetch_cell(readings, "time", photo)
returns 3 h 31 min
